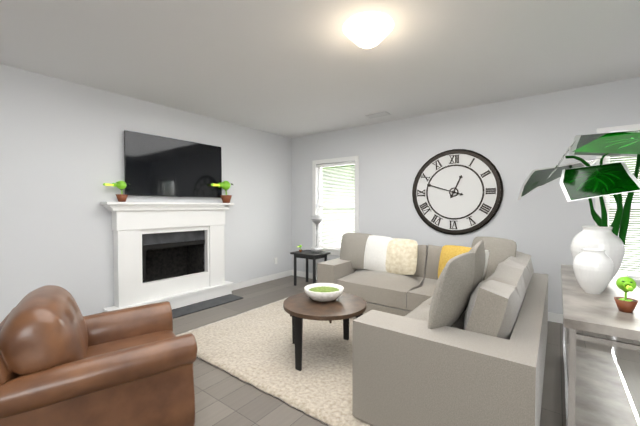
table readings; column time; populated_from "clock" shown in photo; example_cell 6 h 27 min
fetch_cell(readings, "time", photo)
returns 12 h 48 min
